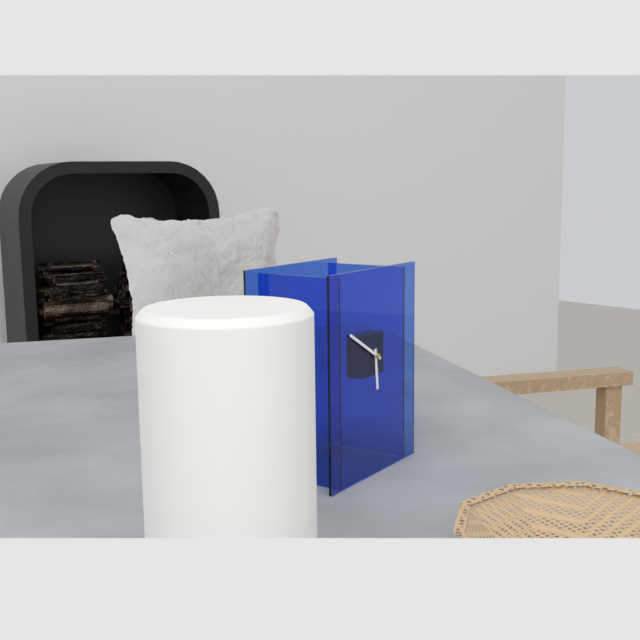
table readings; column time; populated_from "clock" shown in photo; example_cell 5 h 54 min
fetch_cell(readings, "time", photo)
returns 5 h 50 min
